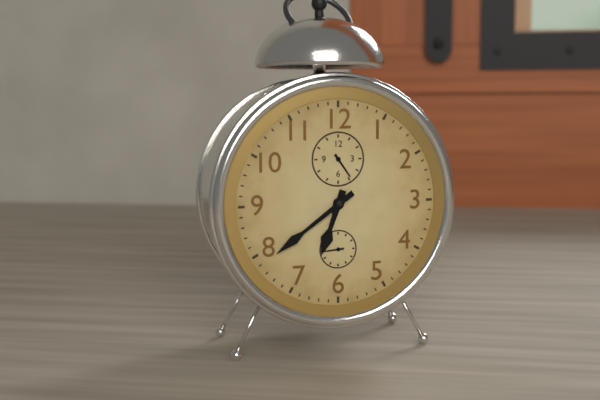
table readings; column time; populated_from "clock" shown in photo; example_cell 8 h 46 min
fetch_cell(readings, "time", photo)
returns 6 h 39 min
